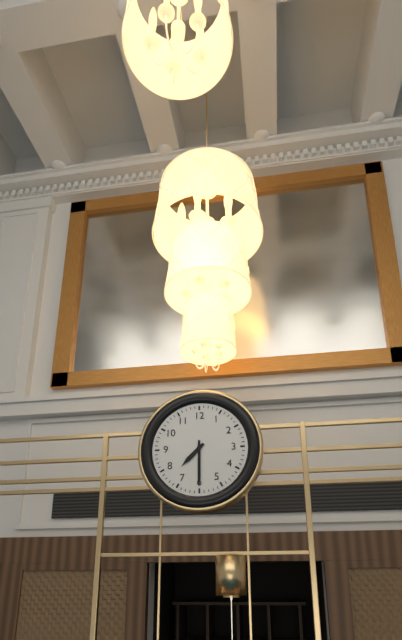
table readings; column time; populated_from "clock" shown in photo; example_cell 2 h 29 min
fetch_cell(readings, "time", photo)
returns 7 h 30 min
